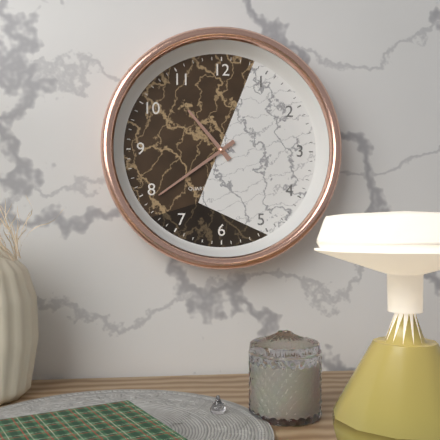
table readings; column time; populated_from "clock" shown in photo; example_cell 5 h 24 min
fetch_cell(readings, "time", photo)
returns 10 h 39 min
